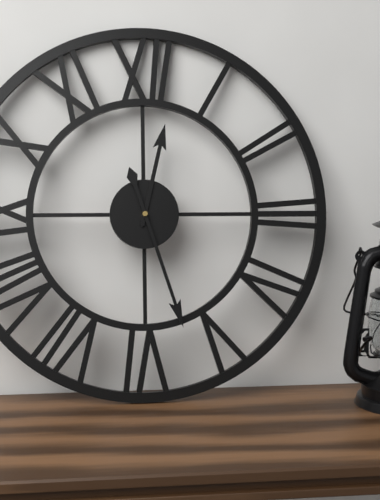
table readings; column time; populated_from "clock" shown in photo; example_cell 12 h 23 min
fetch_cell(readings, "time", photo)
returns 12 h 27 min
